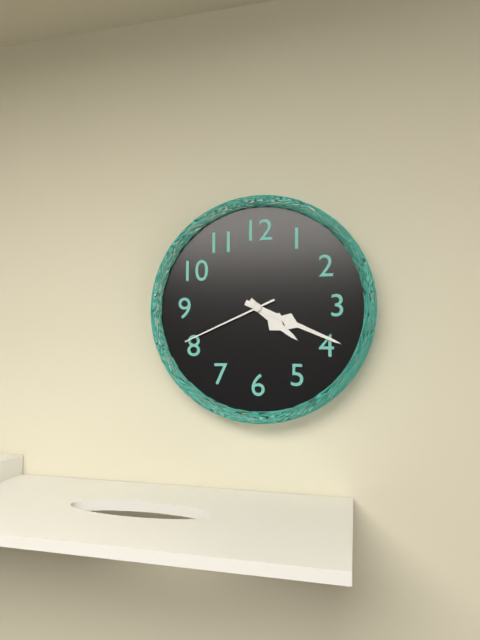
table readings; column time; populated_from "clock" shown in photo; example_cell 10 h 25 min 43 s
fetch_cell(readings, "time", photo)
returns 4 h 19 min 41 s
